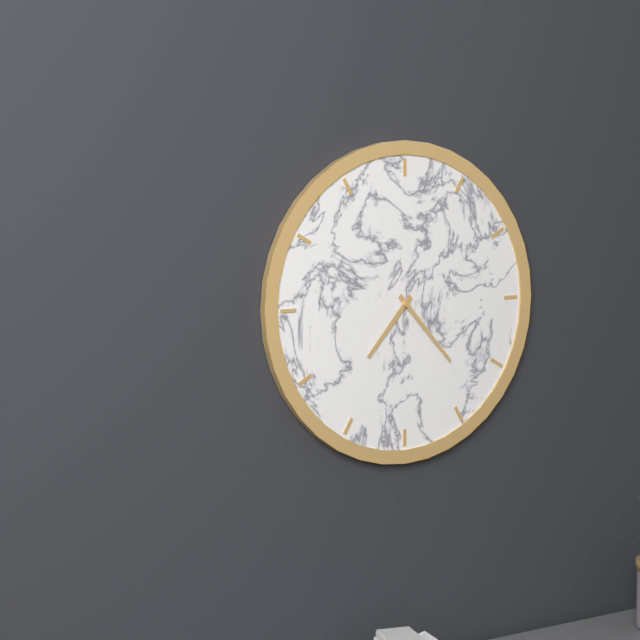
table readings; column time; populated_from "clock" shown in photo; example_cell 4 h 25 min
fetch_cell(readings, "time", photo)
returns 7 h 23 min
